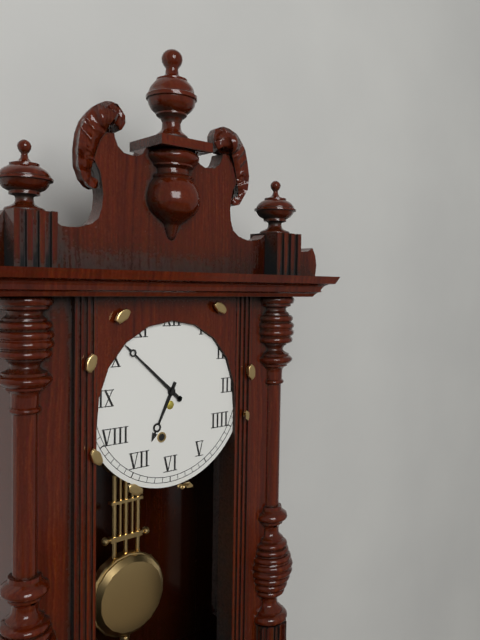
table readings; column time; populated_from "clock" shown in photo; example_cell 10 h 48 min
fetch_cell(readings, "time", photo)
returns 6 h 52 min
